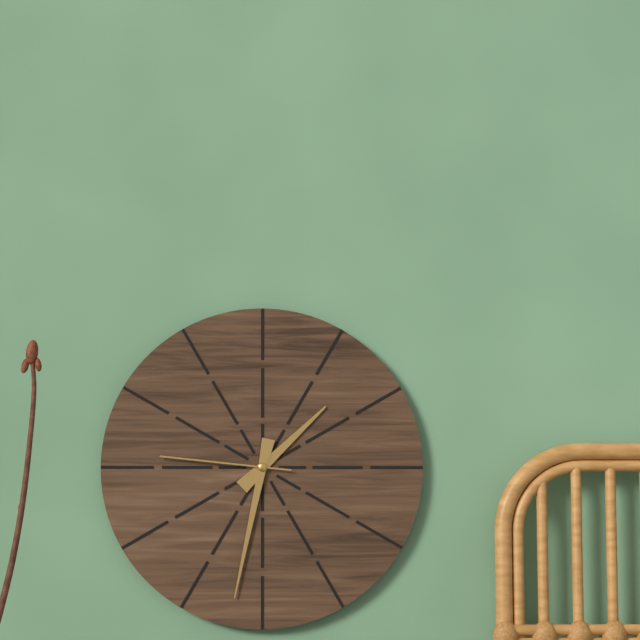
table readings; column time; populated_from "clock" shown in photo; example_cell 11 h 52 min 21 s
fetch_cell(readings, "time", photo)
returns 1 h 32 min 46 s
